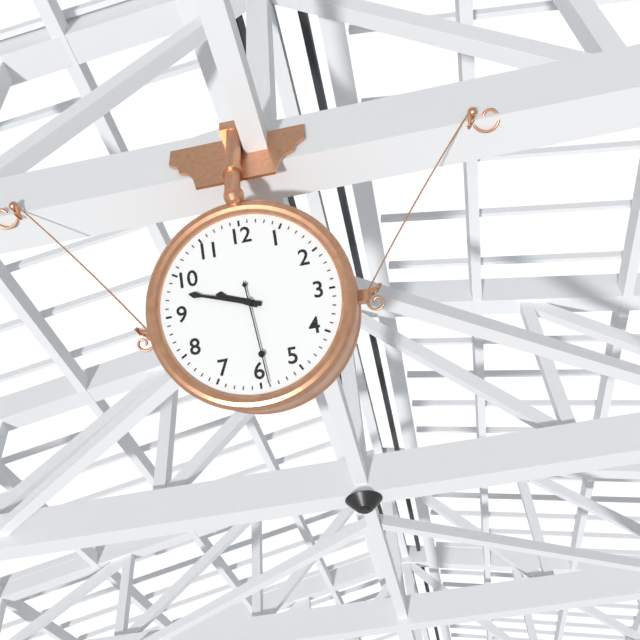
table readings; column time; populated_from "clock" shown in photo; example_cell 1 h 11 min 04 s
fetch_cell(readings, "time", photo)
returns 9 h 48 min 29 s
